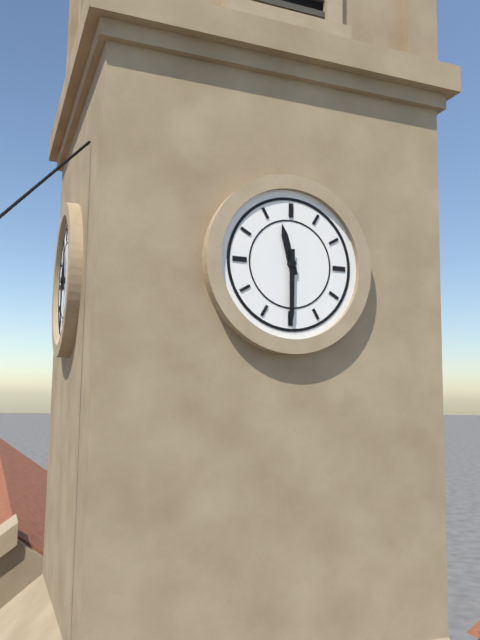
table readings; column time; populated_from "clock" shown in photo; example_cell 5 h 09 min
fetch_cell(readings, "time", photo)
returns 11 h 30 min
